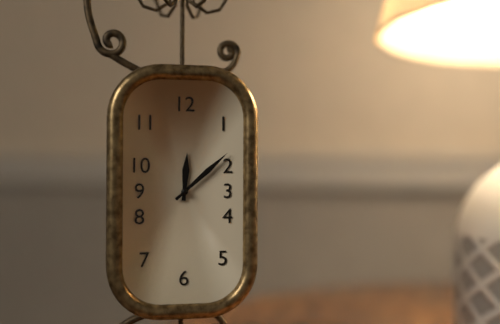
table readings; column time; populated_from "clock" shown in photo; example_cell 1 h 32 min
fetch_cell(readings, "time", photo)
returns 12 h 08 min
